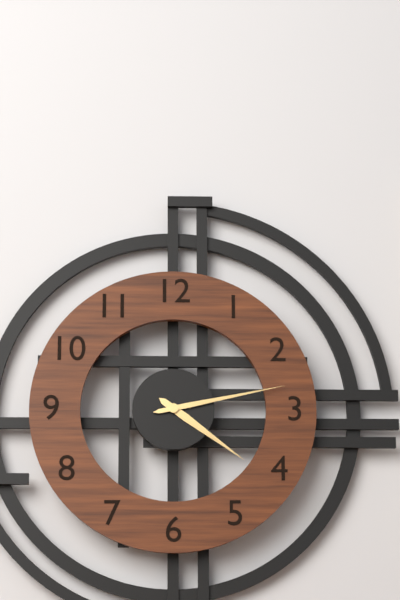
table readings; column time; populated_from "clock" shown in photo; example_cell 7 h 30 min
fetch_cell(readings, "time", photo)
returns 4 h 13 min
